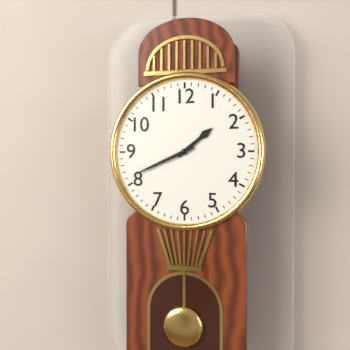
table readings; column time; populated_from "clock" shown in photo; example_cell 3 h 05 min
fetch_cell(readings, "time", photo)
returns 1 h 41 min
